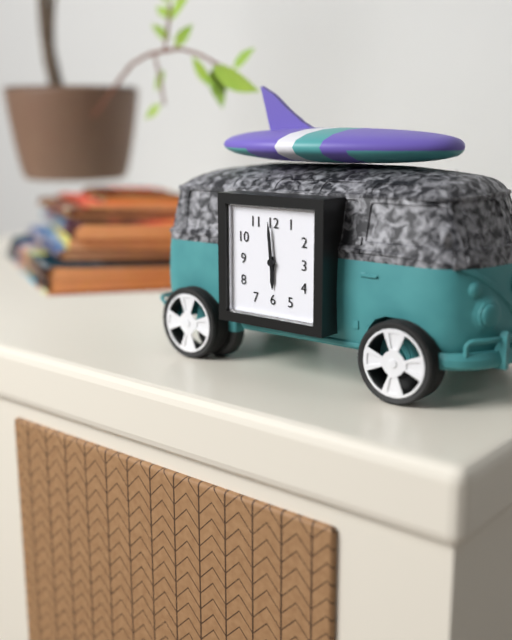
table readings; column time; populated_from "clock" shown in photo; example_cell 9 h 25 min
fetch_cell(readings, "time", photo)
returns 5 h 59 min
